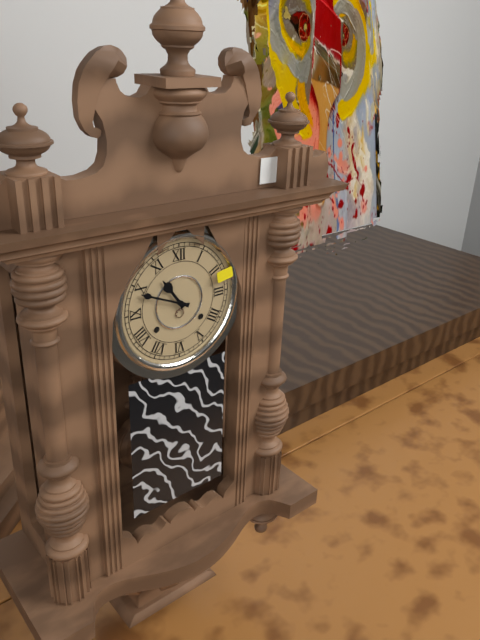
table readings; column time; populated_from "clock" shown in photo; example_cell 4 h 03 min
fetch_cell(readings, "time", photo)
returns 10 h 49 min
